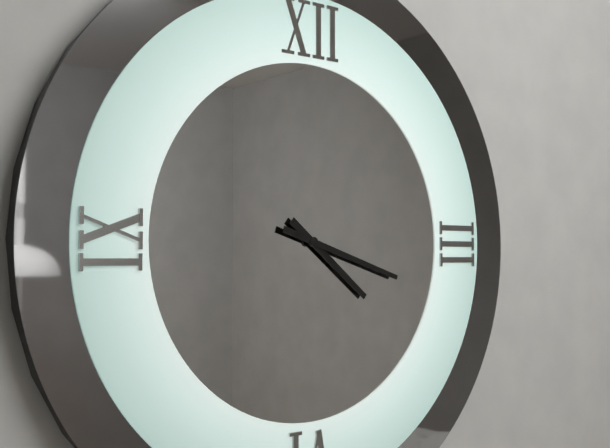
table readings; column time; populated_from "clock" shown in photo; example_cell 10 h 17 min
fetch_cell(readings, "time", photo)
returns 4 h 18 min
